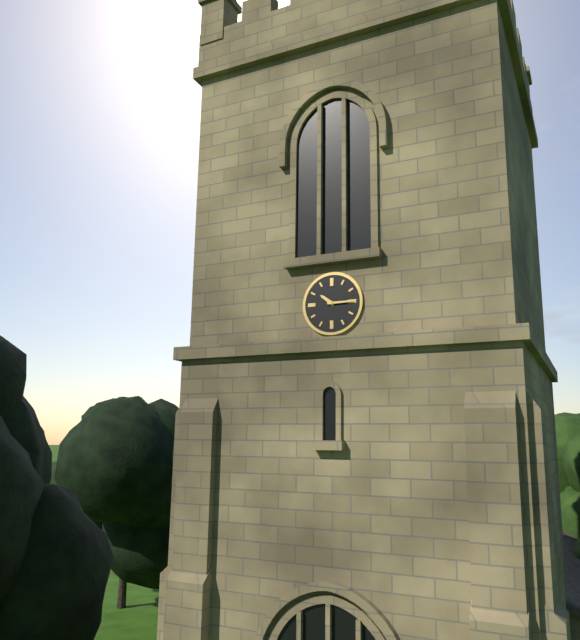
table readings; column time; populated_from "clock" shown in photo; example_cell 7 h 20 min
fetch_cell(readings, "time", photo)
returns 10 h 15 min
